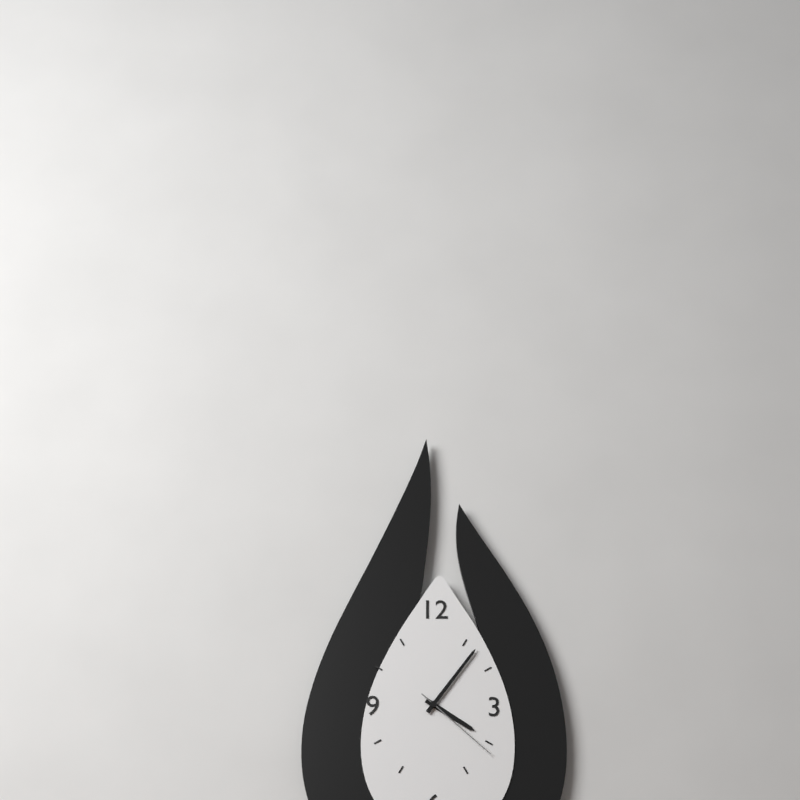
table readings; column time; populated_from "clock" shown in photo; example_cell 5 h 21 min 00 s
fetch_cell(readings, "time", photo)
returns 4 h 06 min 22 s
